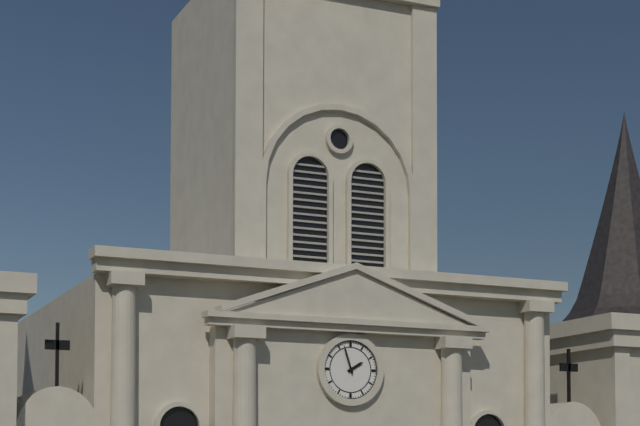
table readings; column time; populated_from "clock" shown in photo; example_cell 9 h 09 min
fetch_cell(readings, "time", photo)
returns 1 h 57 min
